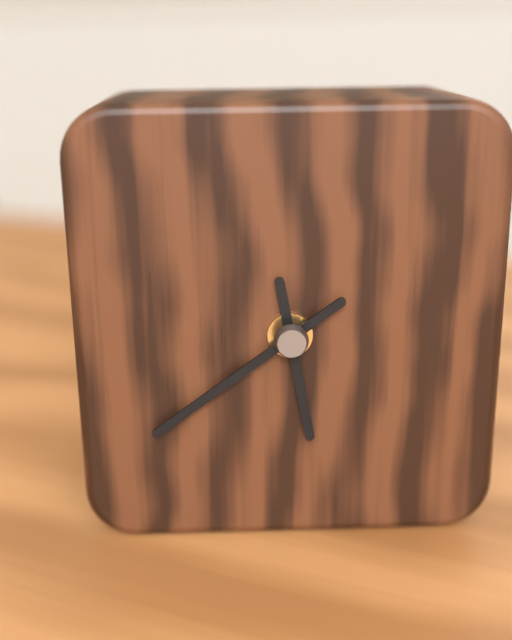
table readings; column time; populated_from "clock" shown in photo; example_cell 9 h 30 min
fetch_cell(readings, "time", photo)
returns 5 h 39 min
